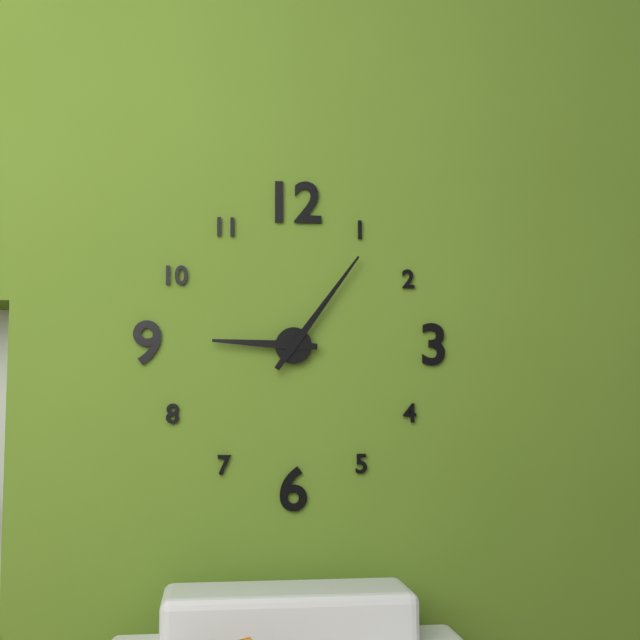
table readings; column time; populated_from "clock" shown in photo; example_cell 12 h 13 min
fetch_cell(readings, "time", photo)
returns 9 h 06 min
